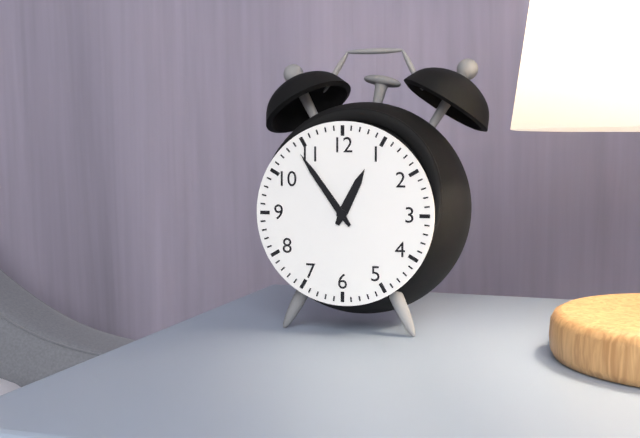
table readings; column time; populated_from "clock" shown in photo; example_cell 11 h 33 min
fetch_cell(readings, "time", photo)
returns 12 h 54 min
